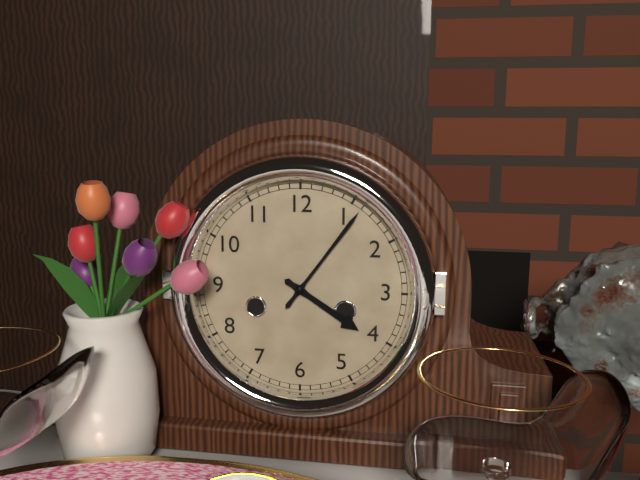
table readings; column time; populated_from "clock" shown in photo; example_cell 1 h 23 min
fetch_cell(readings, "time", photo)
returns 4 h 06 min
